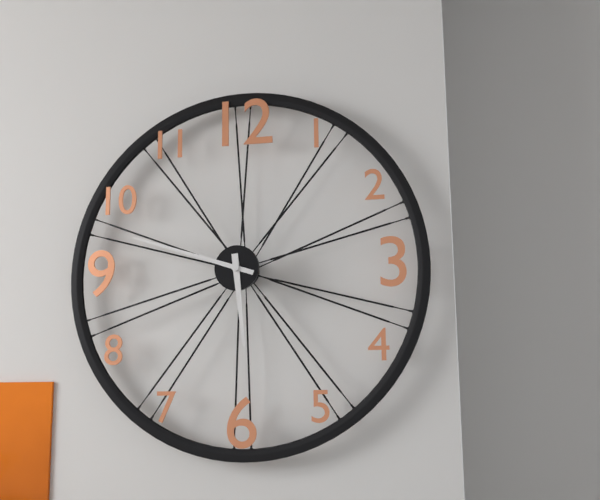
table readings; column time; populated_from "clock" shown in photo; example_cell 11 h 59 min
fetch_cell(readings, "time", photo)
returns 5 h 48 min
